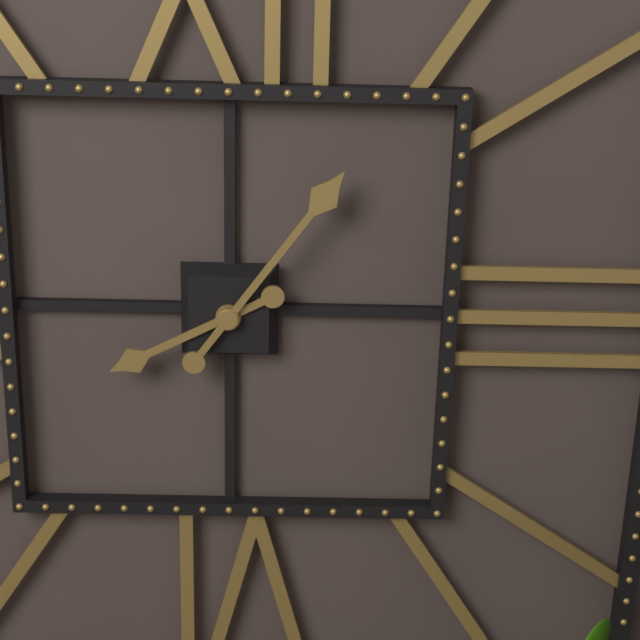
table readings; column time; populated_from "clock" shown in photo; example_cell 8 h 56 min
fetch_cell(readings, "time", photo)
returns 8 h 06 min
